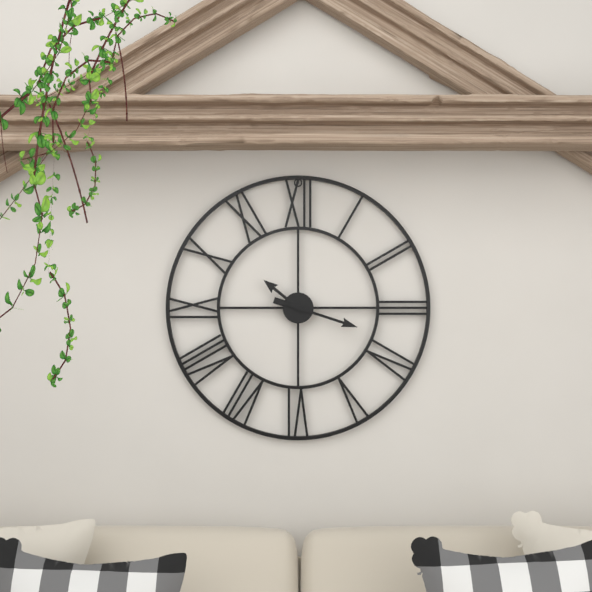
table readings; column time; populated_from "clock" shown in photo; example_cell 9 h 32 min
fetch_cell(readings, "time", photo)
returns 10 h 18 min
